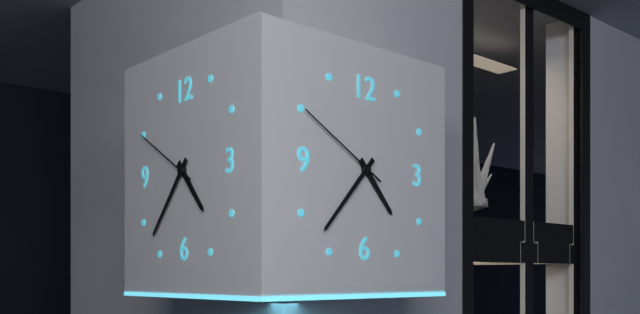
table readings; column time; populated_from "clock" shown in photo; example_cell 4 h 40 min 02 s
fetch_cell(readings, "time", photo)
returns 4 h 37 min 50 s
